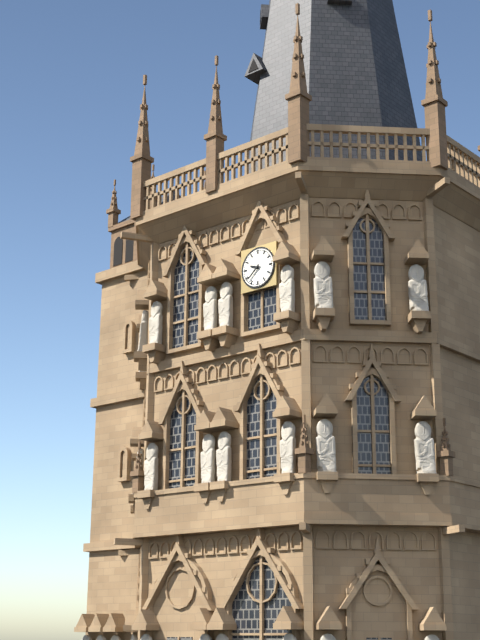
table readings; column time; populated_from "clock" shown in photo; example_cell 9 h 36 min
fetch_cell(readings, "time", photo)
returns 9 h 38 min
